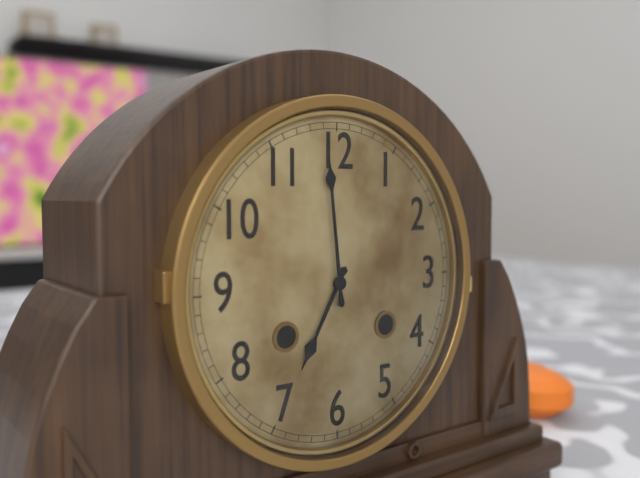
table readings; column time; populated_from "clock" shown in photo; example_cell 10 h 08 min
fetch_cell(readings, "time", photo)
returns 6 h 59 min
